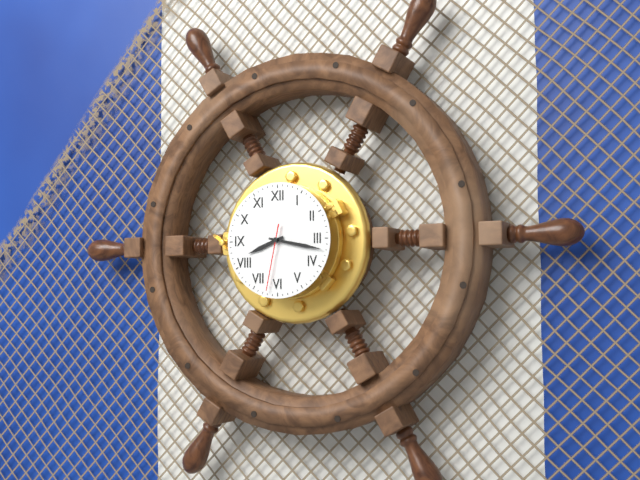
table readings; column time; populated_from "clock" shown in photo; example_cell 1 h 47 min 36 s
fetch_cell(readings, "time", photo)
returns 8 h 17 min 32 s
